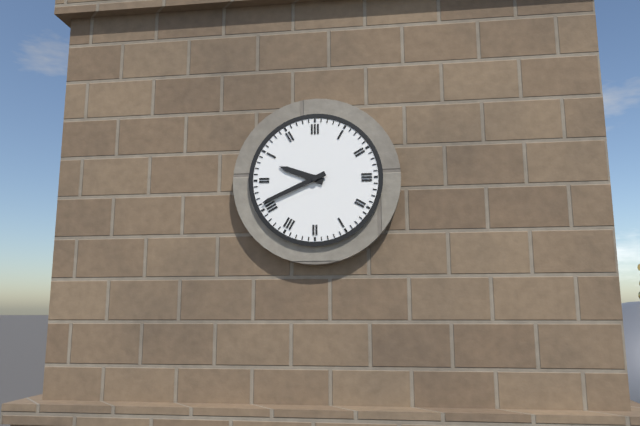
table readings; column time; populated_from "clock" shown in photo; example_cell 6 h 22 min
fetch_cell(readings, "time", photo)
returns 9 h 41 min
